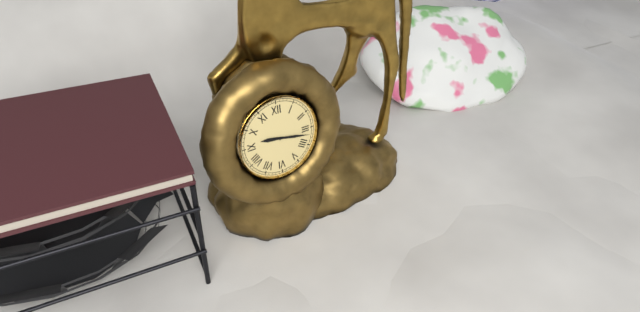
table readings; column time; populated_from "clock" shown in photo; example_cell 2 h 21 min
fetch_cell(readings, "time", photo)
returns 9 h 17 min
